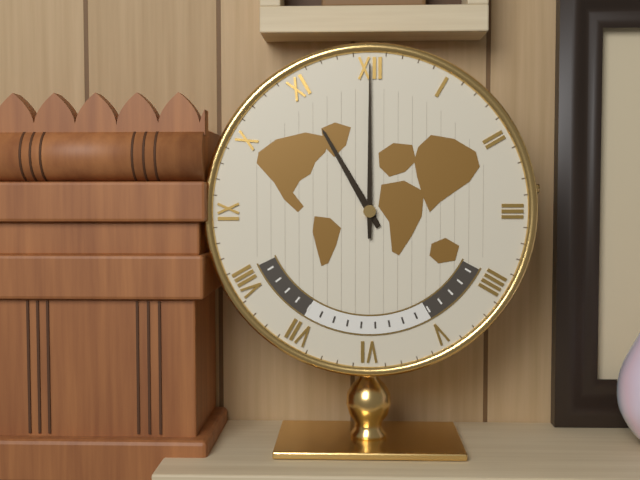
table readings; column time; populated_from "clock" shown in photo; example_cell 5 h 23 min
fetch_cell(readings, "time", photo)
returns 11 h 00 min
